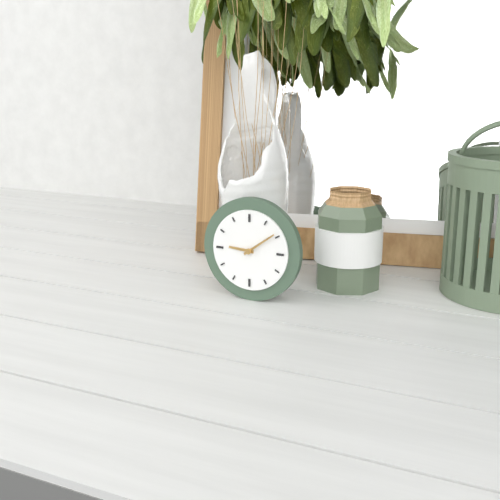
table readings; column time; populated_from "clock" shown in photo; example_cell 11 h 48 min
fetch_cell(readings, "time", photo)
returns 9 h 09 min
